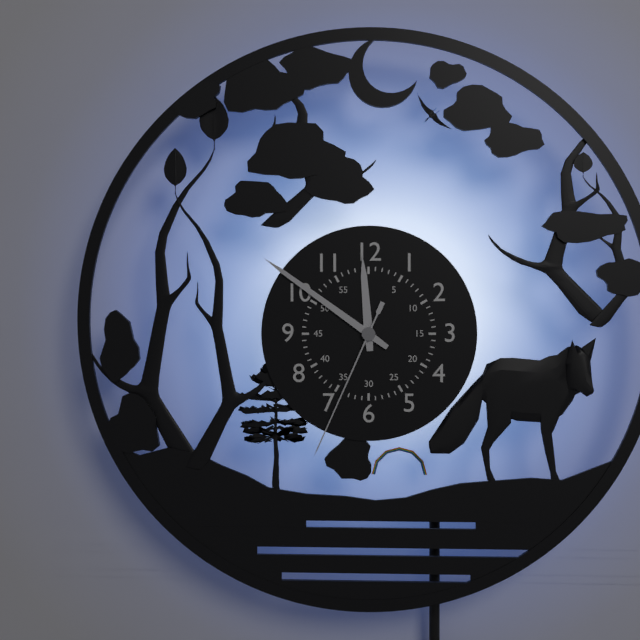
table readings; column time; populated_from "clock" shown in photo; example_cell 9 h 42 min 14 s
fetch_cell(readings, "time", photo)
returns 11 h 51 min 34 s
